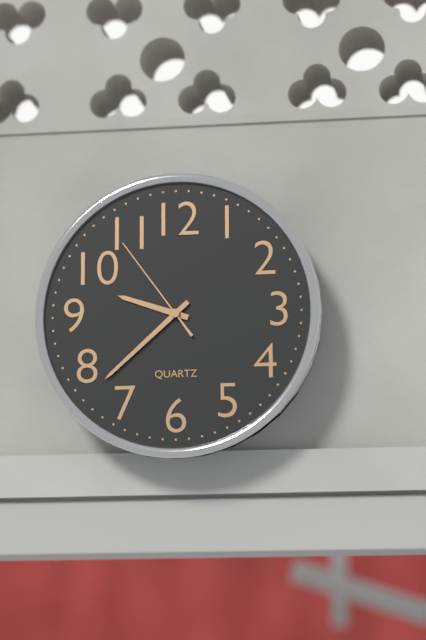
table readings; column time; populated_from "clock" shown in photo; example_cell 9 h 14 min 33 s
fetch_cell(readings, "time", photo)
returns 9 h 38 min 54 s
